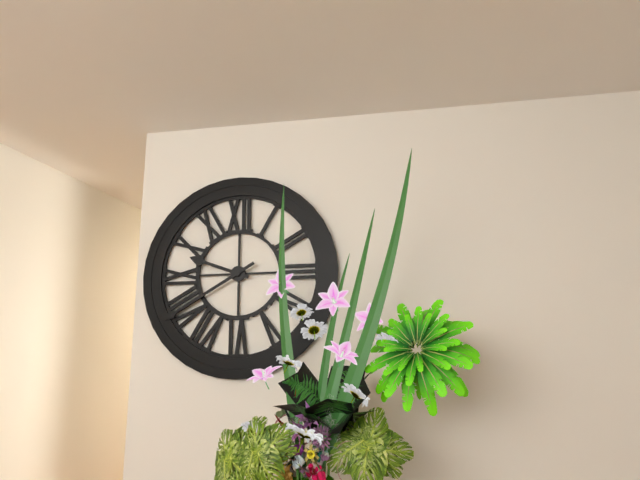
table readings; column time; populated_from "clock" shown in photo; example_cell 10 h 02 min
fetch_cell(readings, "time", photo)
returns 9 h 40 min
